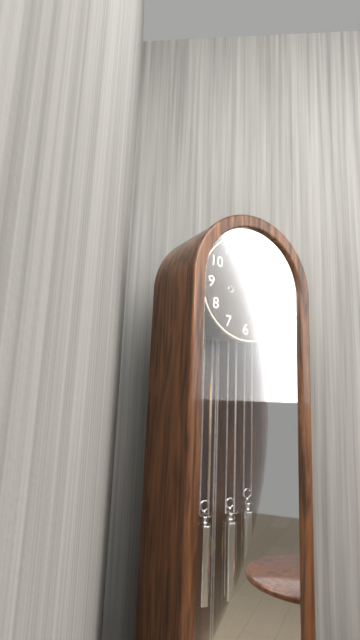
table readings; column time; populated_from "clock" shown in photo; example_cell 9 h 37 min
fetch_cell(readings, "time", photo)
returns 4 h 00 min
